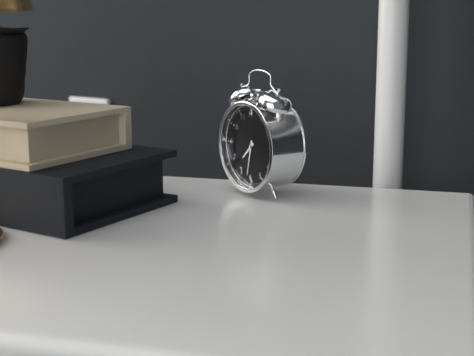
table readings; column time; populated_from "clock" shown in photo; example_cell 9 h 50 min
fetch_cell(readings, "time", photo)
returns 7 h 32 min
